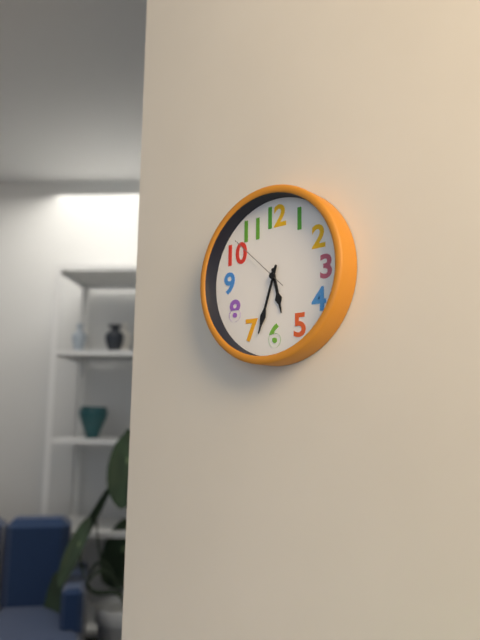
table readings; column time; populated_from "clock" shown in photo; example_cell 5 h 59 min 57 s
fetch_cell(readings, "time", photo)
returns 5 h 33 min 52 s
